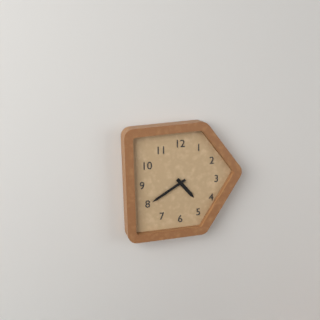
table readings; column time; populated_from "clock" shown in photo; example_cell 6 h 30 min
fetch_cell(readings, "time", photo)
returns 4 h 40 min
